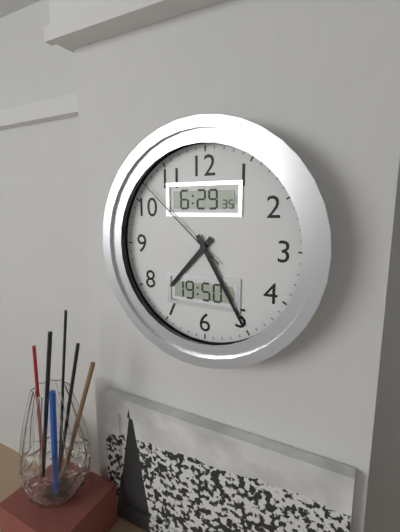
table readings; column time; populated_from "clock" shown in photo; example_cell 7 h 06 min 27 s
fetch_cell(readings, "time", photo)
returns 7 h 25 min 52 s
